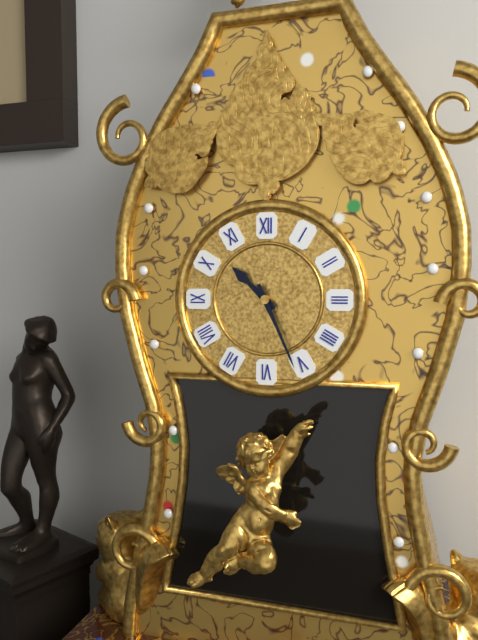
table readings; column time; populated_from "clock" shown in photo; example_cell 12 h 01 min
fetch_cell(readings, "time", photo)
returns 10 h 26 min
